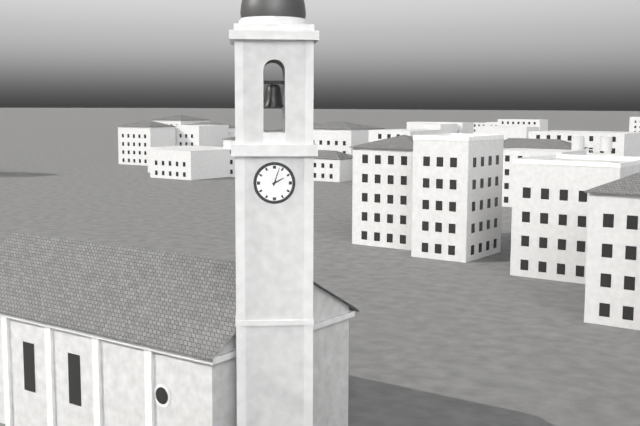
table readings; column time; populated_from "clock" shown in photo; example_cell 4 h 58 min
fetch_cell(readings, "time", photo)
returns 2 h 03 min
